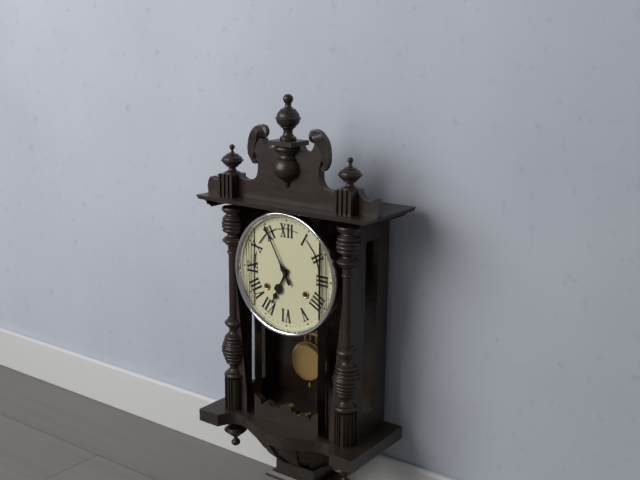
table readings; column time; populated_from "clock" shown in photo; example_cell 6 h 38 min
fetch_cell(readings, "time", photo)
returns 6 h 55 min
